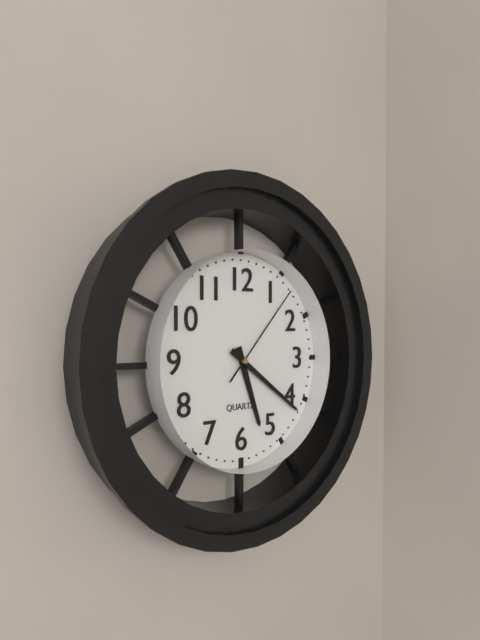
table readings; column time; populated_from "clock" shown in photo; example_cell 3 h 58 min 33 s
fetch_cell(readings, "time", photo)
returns 5 h 21 min 07 s
